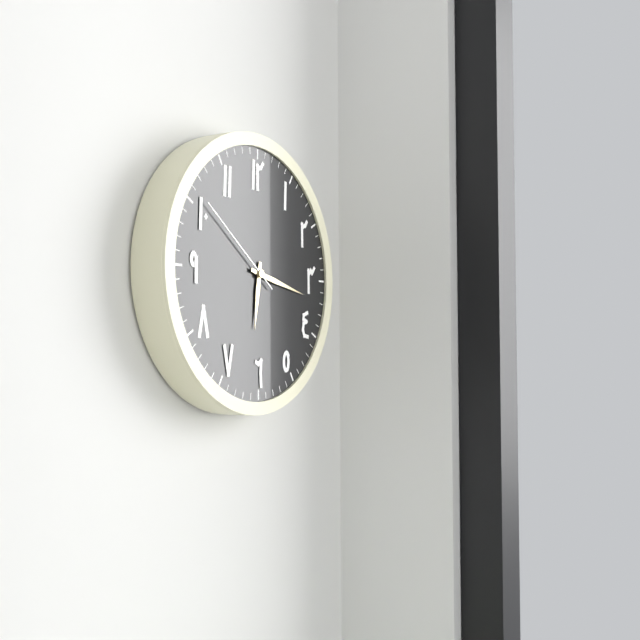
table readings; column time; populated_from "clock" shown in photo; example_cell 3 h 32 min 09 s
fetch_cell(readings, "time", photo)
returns 6 h 17 min 51 s
